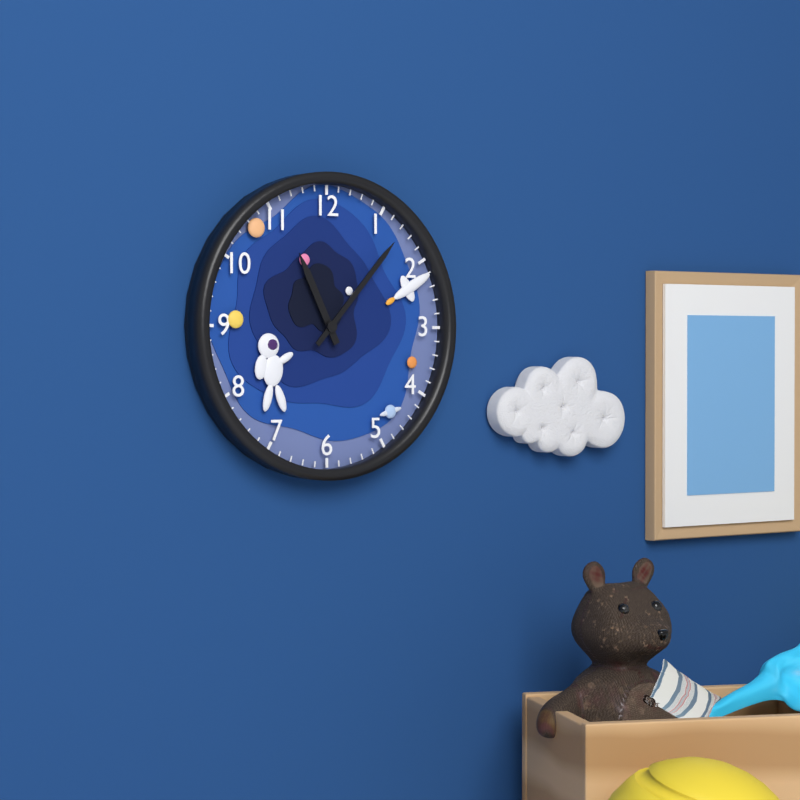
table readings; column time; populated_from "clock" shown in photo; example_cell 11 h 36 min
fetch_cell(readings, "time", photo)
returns 11 h 07 min
